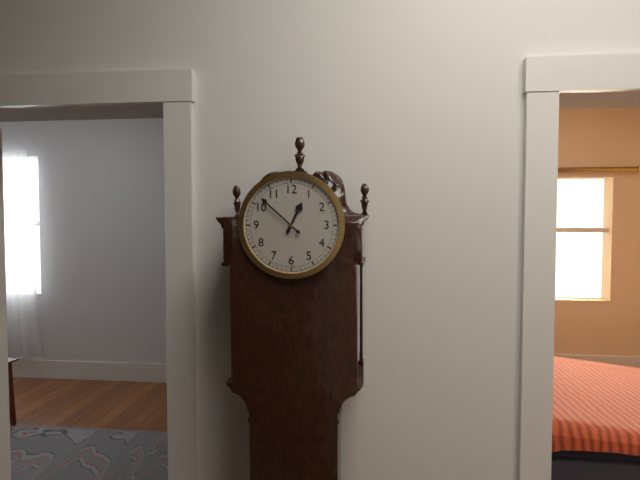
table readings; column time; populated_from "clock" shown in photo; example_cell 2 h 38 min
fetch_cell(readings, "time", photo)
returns 12 h 52 min
